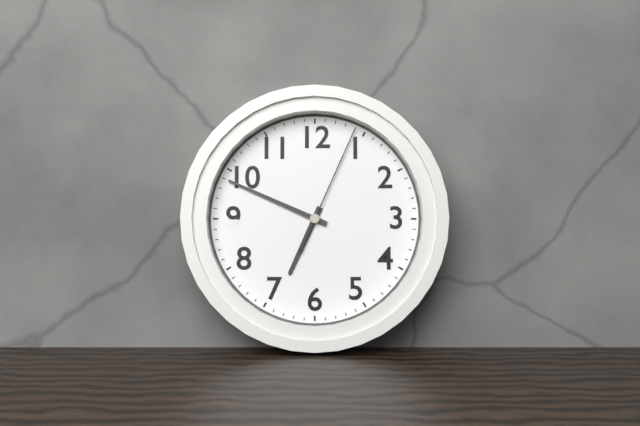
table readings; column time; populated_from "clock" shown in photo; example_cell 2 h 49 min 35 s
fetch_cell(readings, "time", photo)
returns 6 h 49 min 04 s
